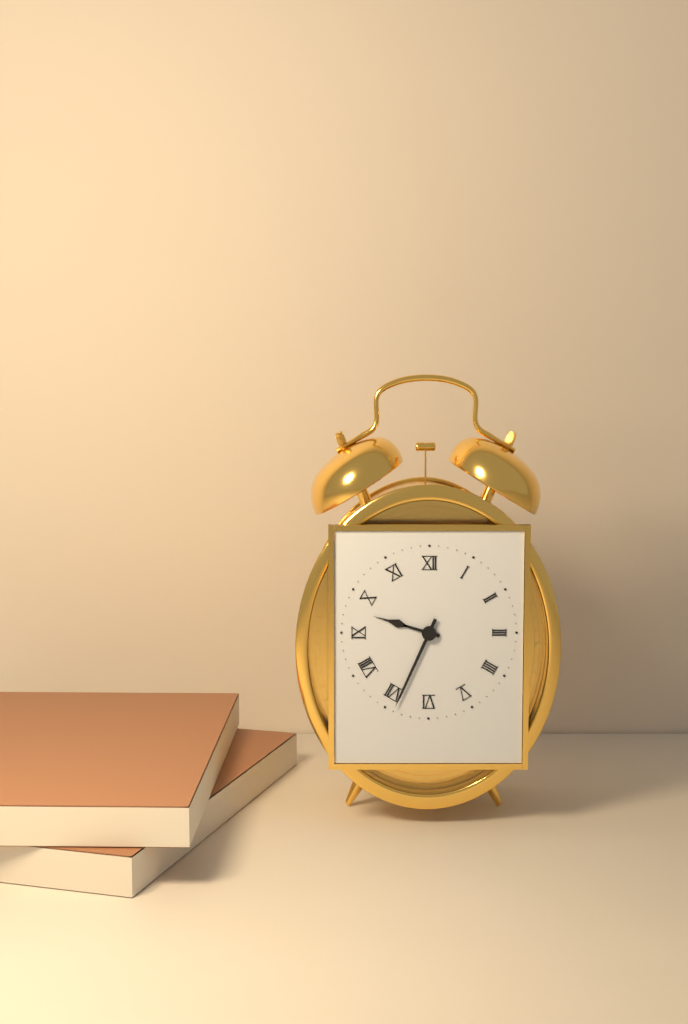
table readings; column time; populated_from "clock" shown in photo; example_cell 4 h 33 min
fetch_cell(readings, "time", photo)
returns 9 h 34 min
